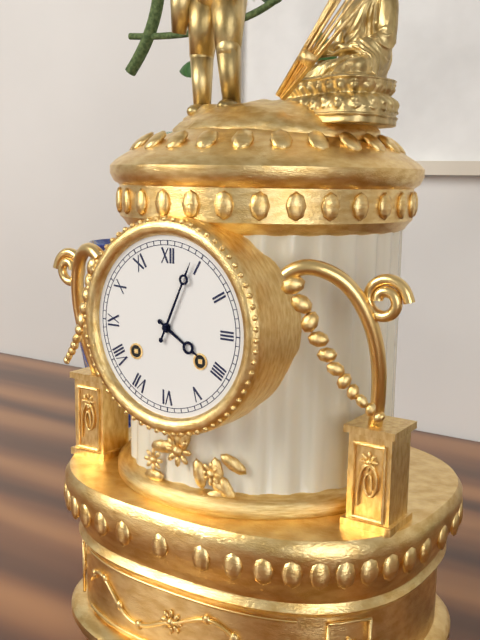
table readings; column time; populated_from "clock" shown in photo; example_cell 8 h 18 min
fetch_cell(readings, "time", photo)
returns 4 h 04 min
